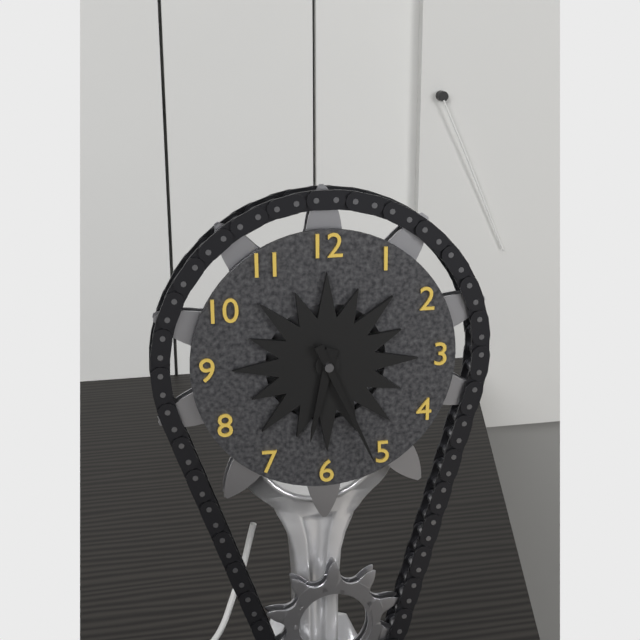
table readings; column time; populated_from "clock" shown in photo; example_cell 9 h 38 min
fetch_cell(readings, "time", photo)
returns 6 h 26 min
